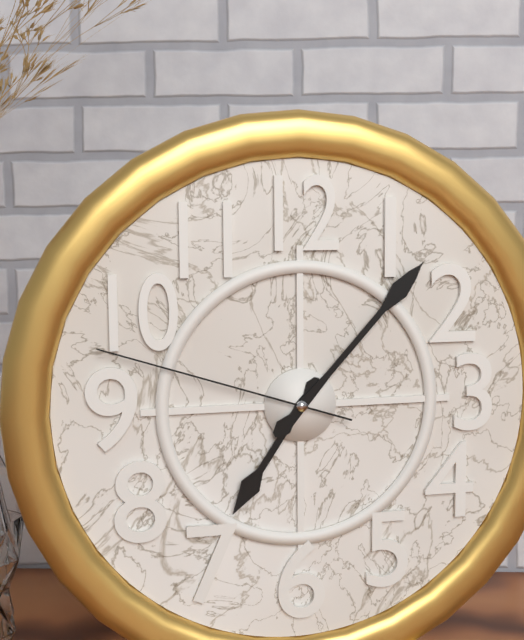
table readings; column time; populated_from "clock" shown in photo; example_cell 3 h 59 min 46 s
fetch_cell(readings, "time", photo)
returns 7 h 07 min 48 s
